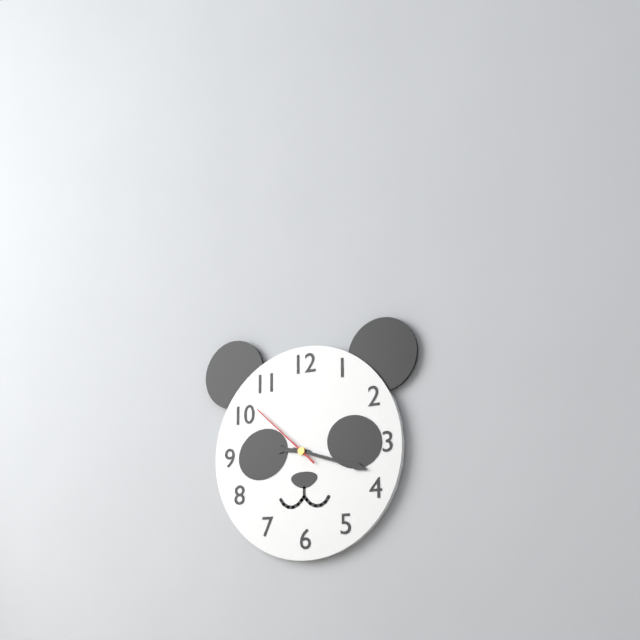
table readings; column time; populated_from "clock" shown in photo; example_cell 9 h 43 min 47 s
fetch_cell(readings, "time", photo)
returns 9 h 18 min 52 s
